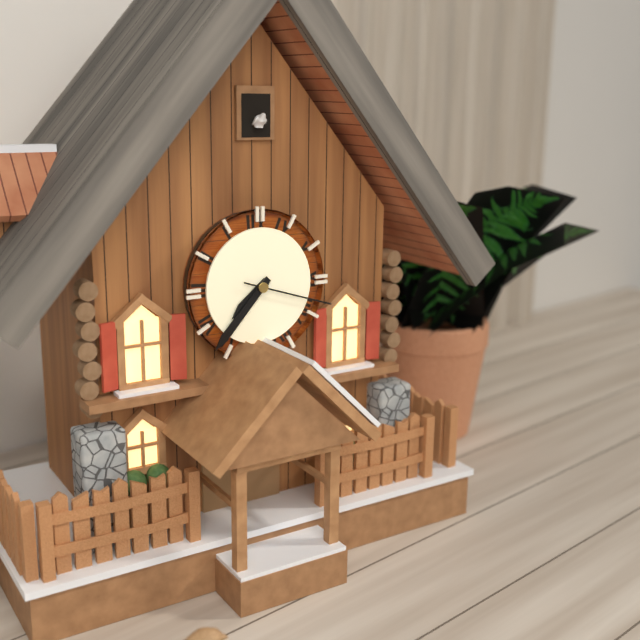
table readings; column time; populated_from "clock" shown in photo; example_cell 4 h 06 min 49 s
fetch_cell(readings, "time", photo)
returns 7 h 37 min 18 s
